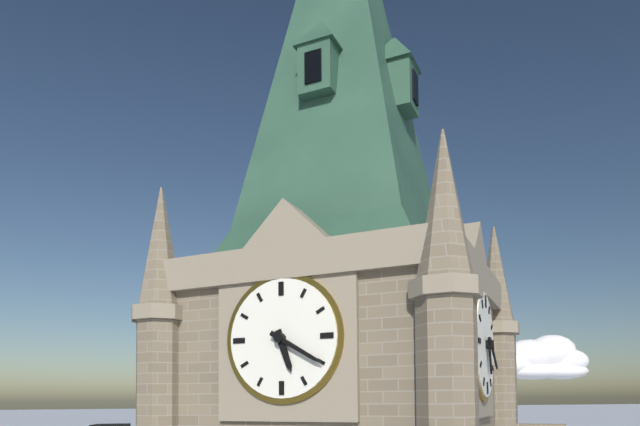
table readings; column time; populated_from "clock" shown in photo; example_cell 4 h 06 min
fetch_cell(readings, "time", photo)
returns 5 h 20 min
